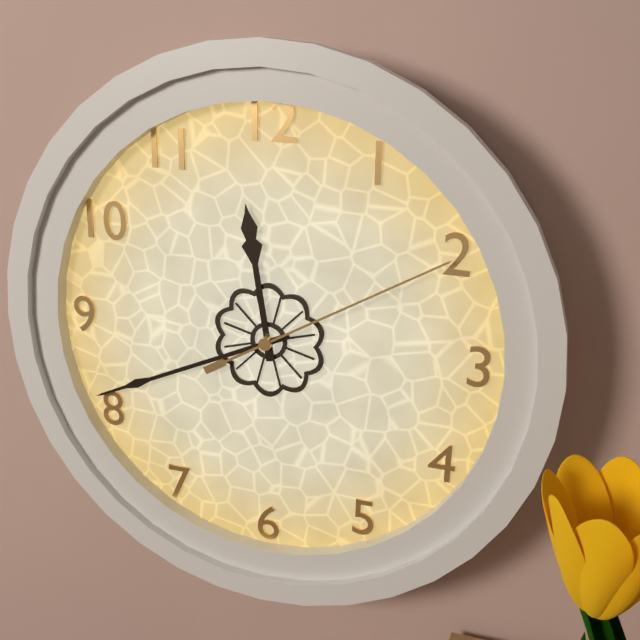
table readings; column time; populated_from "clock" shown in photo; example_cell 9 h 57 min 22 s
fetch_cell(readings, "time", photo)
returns 11 h 41 min 10 s
